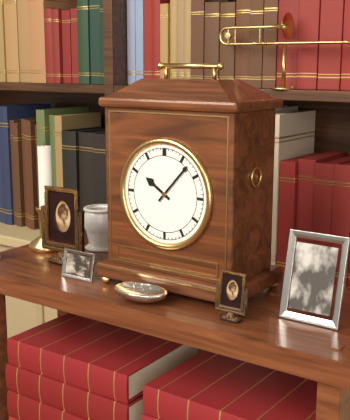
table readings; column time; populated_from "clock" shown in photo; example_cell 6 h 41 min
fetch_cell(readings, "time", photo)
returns 10 h 07 min
